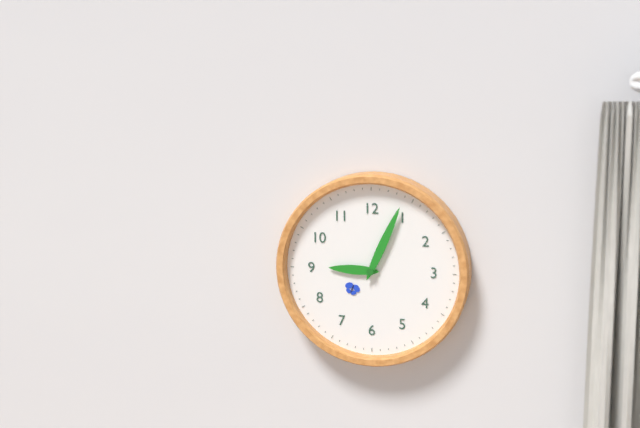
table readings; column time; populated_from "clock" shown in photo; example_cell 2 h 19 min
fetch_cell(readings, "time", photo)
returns 9 h 04 min
